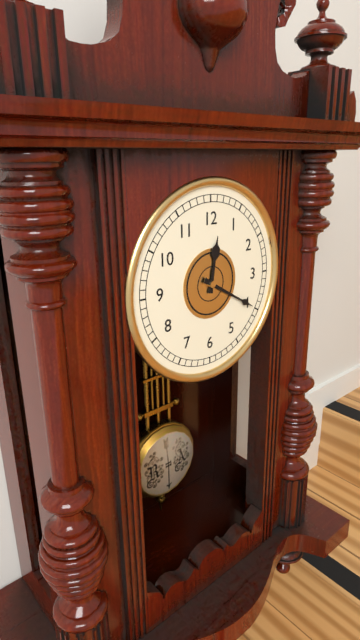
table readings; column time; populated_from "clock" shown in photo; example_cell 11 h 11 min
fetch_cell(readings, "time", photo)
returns 12 h 20 min
